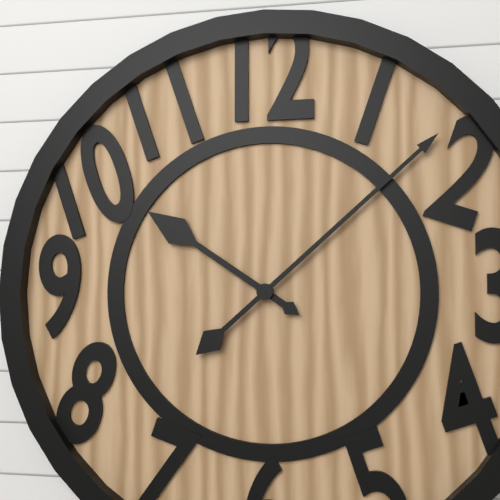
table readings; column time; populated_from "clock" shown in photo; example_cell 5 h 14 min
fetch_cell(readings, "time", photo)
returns 10 h 08 min
